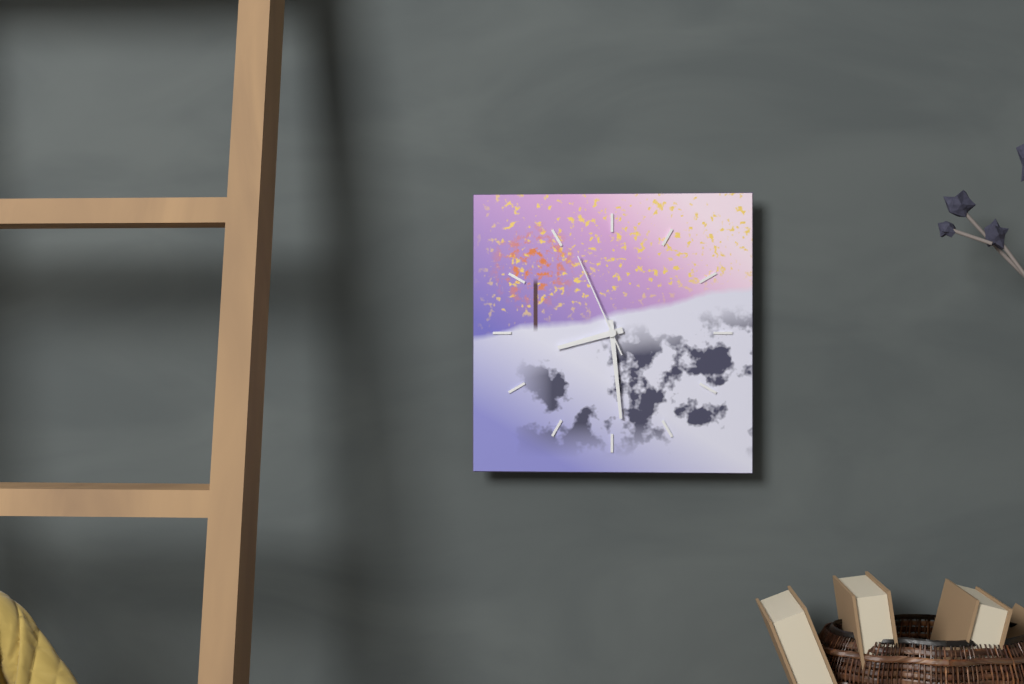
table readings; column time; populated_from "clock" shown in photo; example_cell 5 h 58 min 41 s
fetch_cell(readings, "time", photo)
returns 8 h 29 min 56 s
